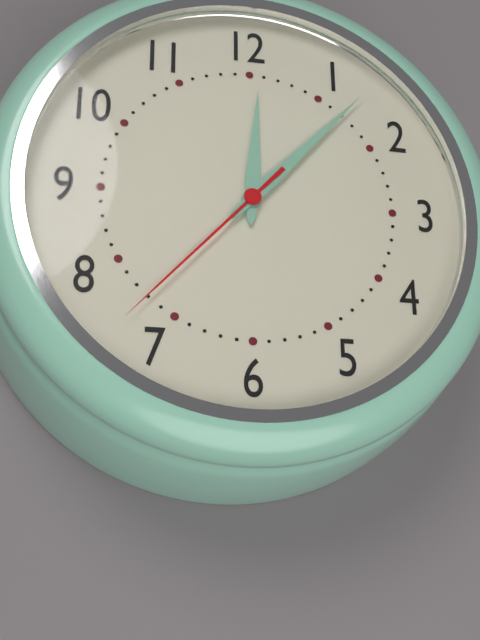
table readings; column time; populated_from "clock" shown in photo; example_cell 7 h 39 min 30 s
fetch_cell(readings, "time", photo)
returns 12 h 07 min 37 s
